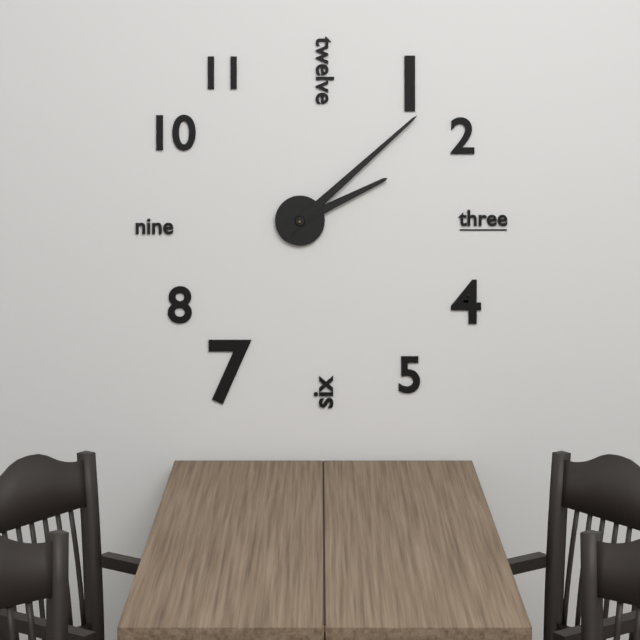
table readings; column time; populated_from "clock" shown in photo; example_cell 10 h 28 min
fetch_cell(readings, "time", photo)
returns 2 h 08 min
